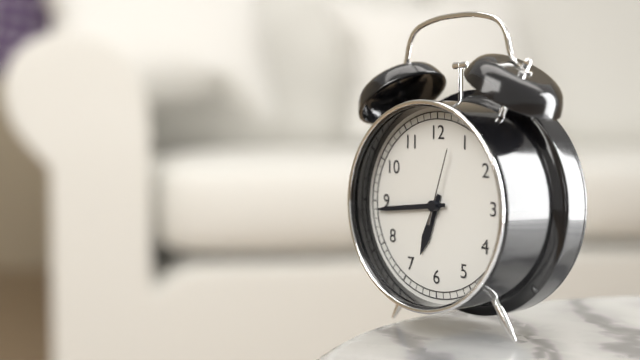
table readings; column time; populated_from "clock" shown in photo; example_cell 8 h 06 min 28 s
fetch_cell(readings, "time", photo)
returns 6 h 44 min 03 s
